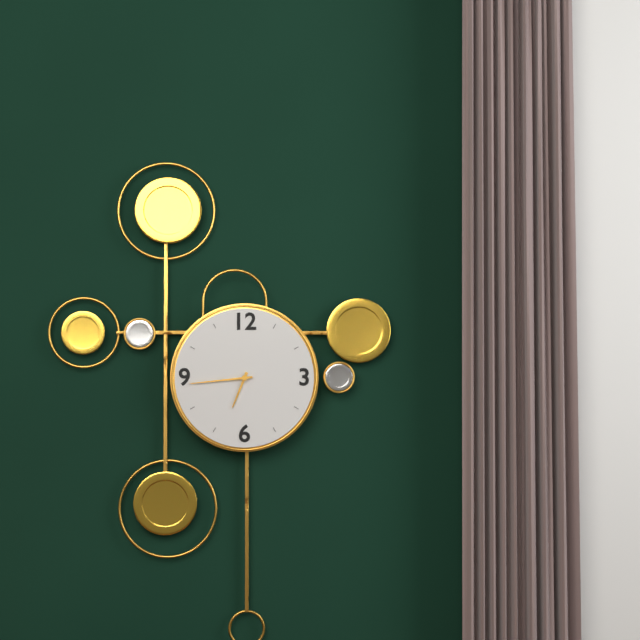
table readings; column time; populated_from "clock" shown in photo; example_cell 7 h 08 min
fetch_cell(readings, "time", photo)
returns 6 h 44 min
